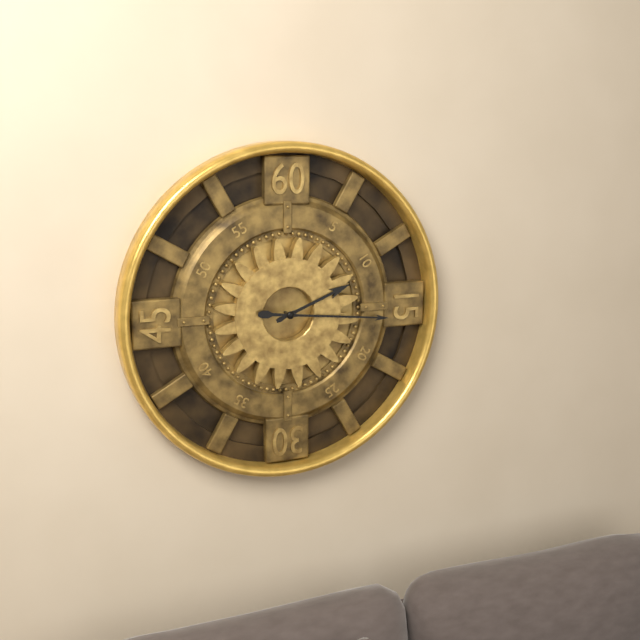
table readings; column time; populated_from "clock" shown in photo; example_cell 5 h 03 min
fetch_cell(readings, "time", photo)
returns 2 h 16 min
